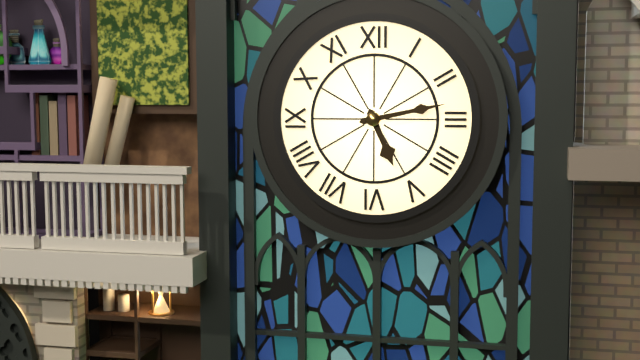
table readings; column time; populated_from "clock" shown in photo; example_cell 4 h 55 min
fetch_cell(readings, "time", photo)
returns 5 h 13 min
